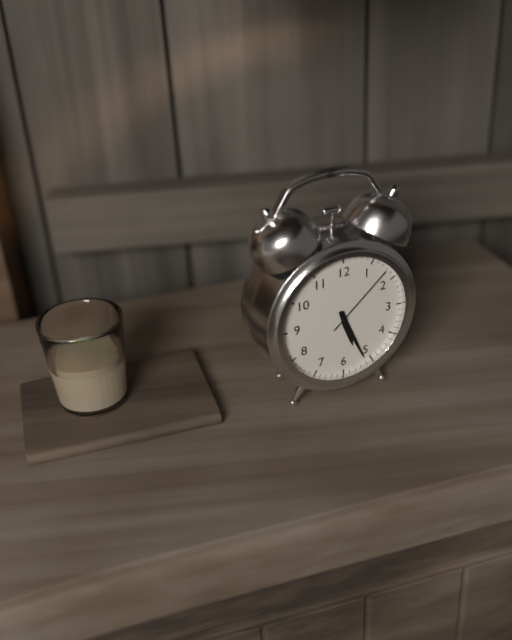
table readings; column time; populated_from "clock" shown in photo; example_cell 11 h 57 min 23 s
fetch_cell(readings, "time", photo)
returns 5 h 26 min 08 s
